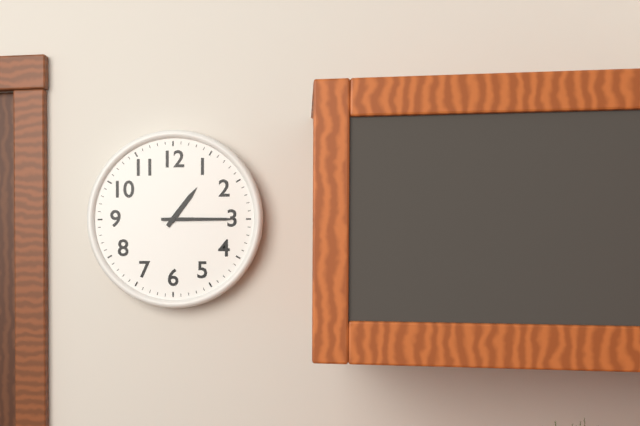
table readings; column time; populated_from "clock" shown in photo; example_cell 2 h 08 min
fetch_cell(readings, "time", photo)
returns 1 h 15 min
